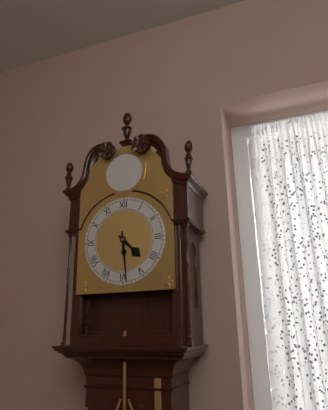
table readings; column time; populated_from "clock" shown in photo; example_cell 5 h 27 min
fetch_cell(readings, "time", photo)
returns 4 h 29 min
